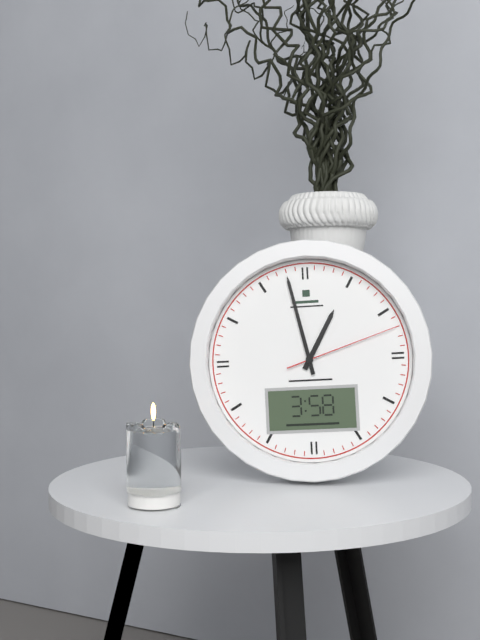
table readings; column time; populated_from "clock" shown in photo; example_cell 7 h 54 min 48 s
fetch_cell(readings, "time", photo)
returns 12 h 58 min 12 s
